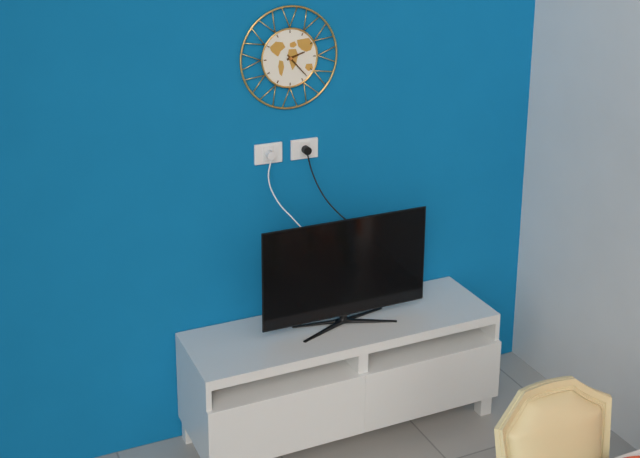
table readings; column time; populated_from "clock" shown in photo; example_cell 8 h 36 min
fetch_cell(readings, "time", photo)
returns 2 h 23 min
